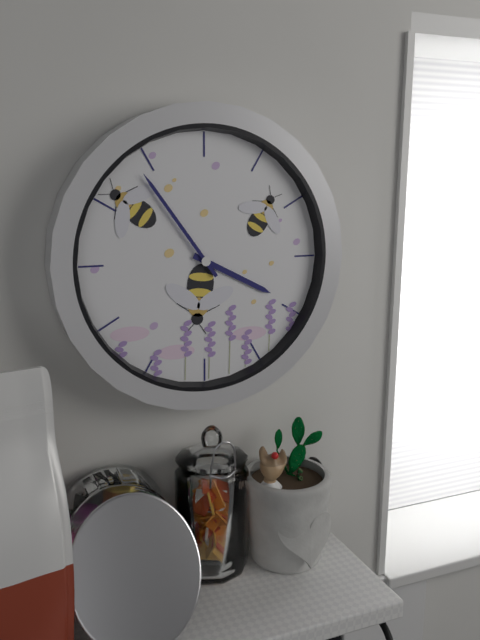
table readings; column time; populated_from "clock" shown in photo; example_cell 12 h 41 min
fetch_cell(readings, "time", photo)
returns 3 h 54 min
